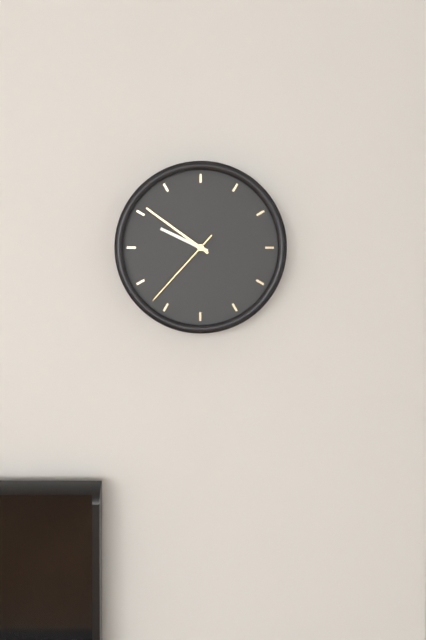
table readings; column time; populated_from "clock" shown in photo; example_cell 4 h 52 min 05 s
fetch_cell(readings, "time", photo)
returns 9 h 51 min 37 s
